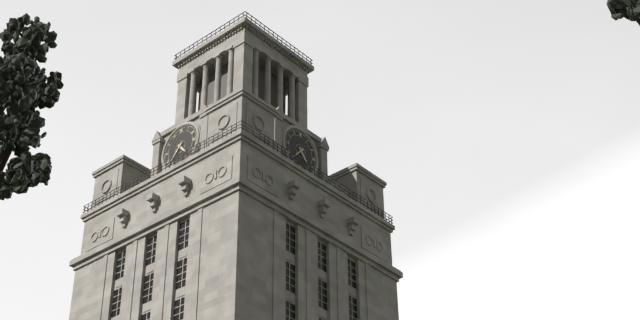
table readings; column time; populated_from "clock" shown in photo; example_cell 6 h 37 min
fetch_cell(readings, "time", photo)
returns 4 h 37 min
